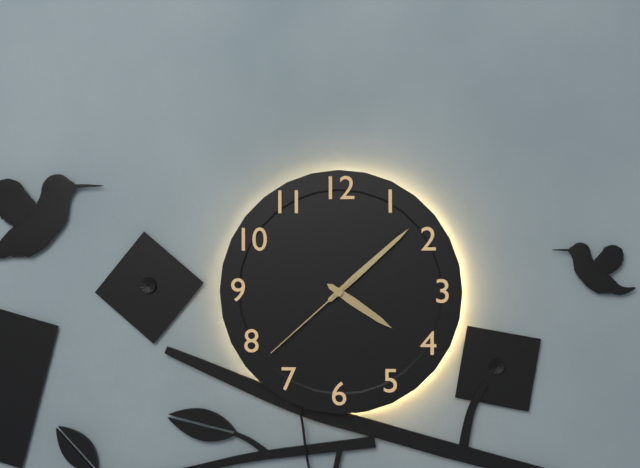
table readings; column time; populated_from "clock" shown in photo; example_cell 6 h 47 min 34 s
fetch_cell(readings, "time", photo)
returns 4 h 08 min 38 s
